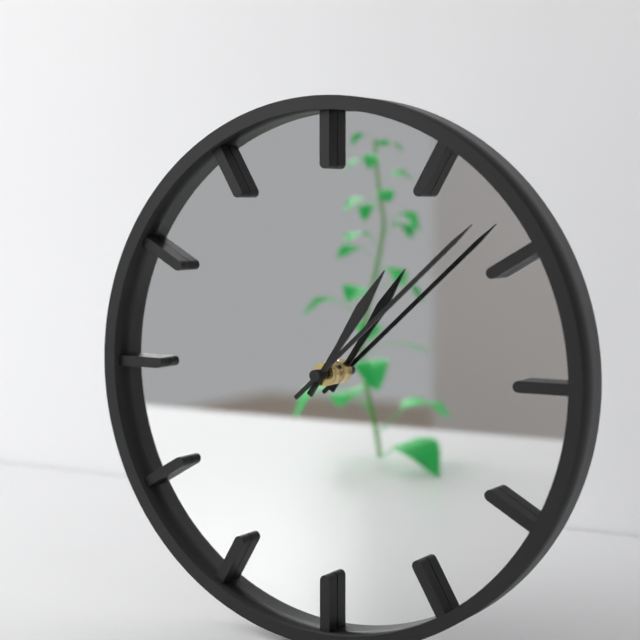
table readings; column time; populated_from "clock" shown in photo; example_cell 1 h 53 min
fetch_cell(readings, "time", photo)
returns 1 h 08 min
